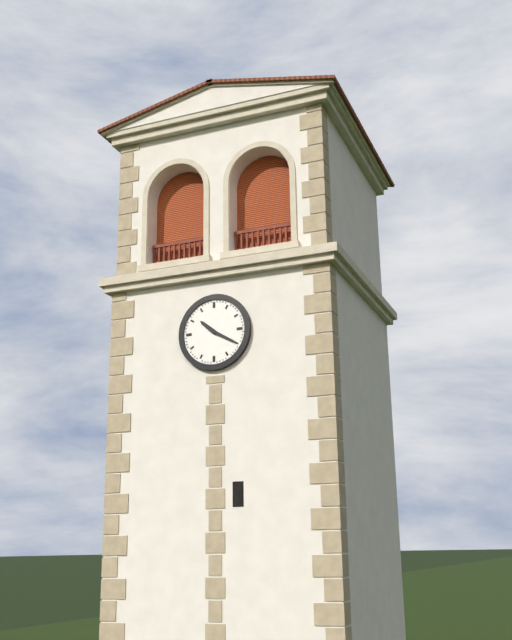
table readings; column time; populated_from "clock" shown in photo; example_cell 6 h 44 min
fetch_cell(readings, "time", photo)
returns 10 h 20 min
